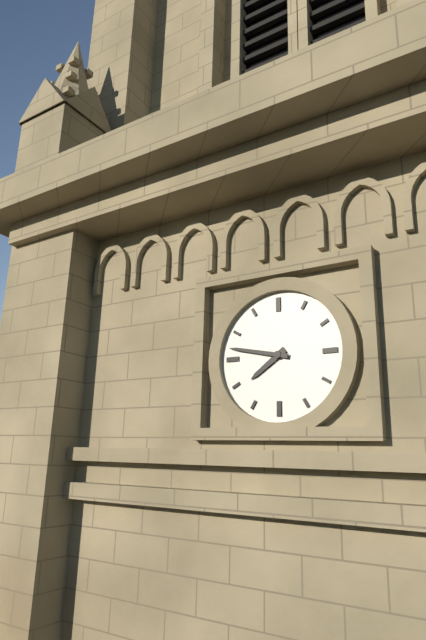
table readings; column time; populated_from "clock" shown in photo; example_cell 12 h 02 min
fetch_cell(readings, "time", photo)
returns 7 h 47 min
